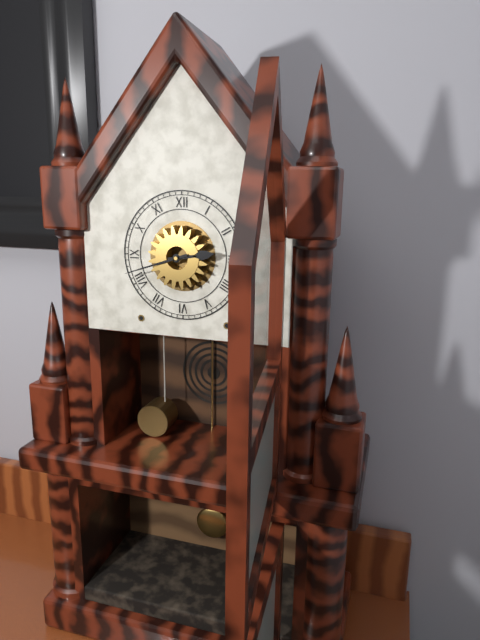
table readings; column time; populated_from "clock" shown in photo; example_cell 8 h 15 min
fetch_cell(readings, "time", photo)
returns 2 h 42 min
